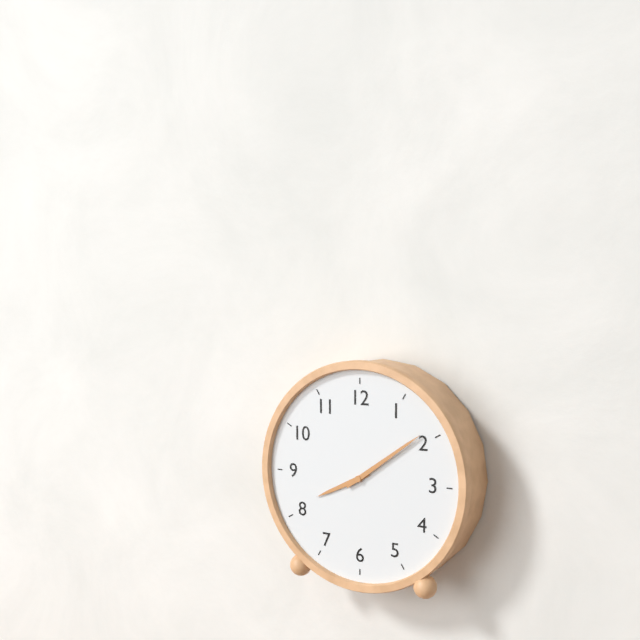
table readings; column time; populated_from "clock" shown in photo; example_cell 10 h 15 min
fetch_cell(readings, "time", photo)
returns 8 h 09 min
